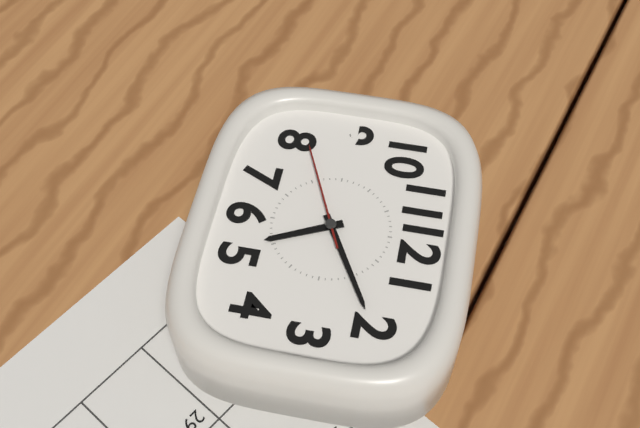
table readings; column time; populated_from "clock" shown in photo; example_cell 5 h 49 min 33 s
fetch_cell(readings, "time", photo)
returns 5 h 10 min 41 s
